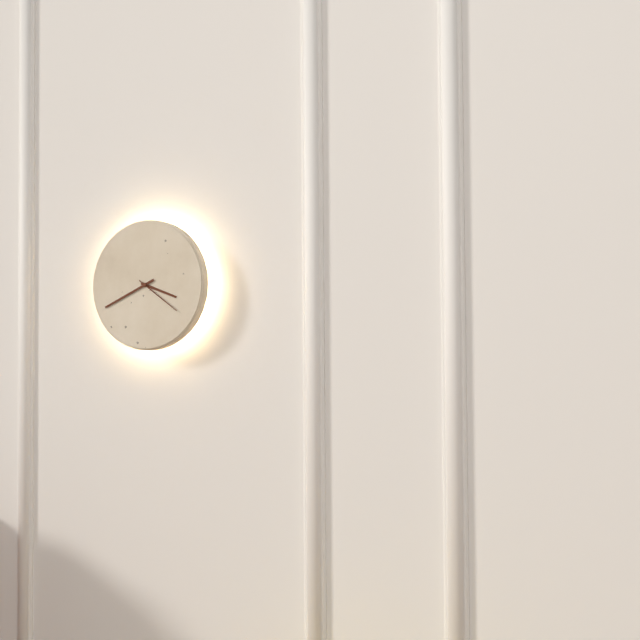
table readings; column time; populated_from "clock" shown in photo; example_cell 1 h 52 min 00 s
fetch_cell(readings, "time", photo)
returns 3 h 41 min 21 s
